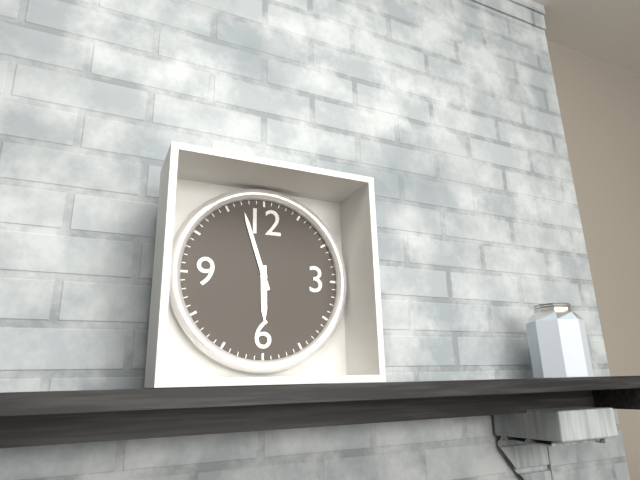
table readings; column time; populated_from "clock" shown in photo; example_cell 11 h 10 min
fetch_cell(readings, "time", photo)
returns 5 h 57 min
